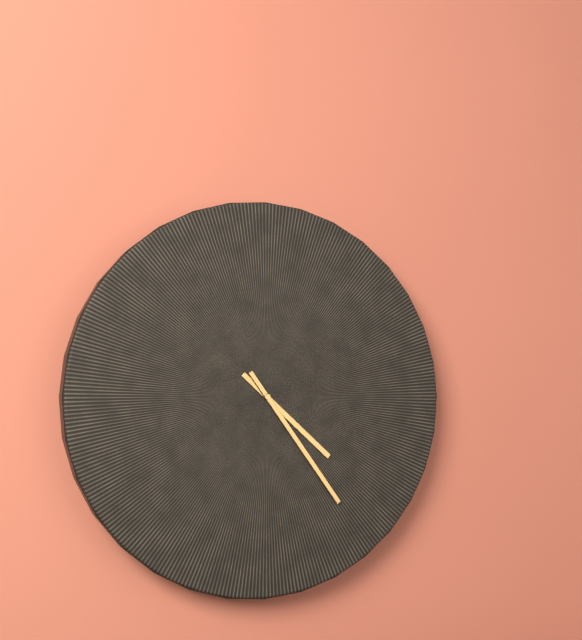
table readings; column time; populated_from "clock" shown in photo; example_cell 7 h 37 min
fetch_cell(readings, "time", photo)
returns 4 h 24 min
